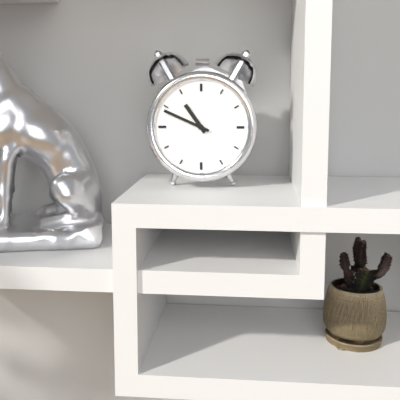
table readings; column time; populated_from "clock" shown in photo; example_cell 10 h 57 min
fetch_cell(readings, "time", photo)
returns 10 h 49 min
